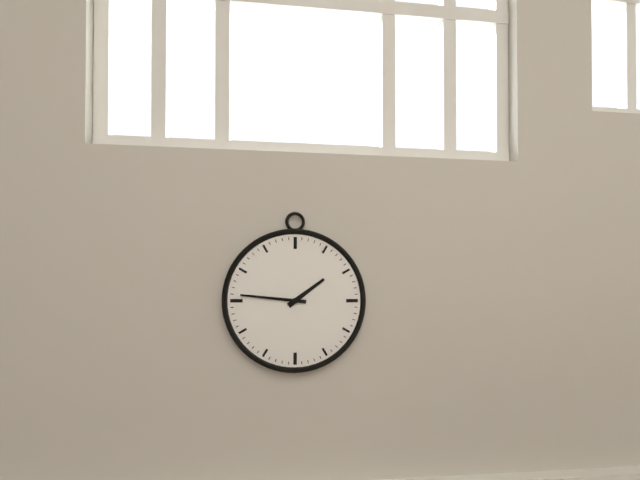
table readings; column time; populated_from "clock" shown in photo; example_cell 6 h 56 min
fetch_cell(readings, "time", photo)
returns 1 h 46 min
